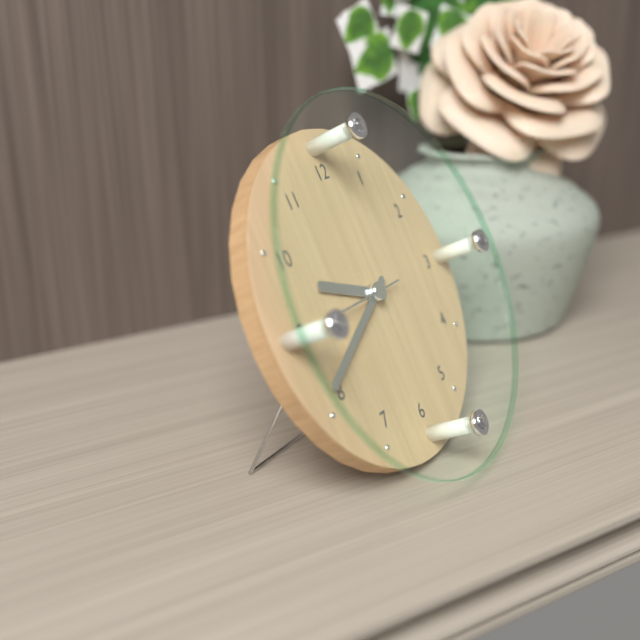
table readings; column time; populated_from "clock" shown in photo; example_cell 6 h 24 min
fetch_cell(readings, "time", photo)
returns 9 h 41 min
